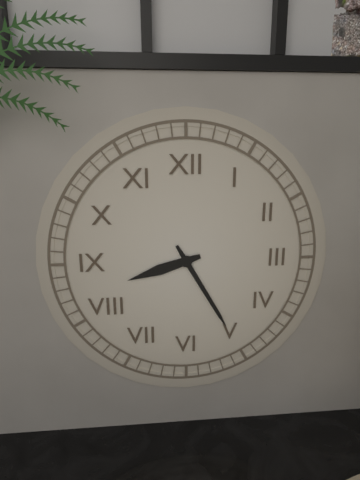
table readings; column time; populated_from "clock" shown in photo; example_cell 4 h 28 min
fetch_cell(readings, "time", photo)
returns 8 h 25 min
